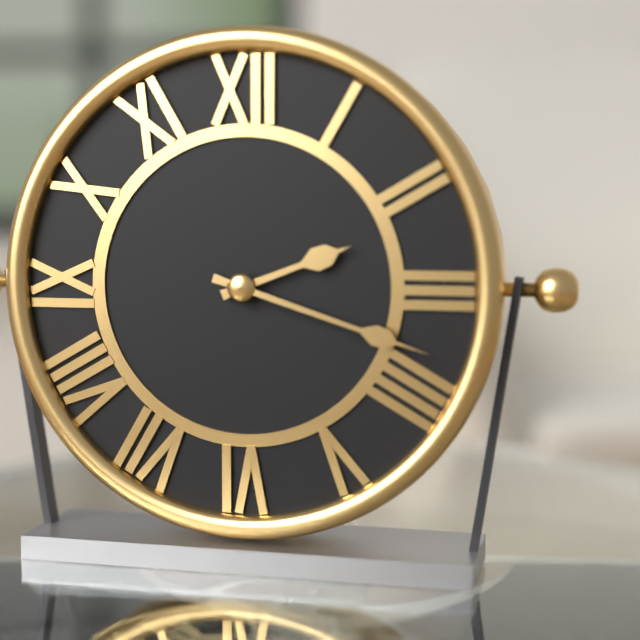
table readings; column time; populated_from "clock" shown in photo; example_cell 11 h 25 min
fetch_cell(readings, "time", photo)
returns 2 h 18 min
